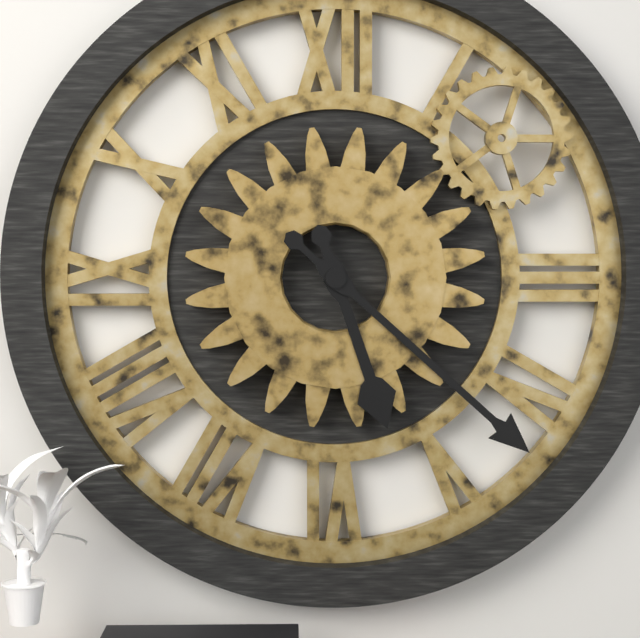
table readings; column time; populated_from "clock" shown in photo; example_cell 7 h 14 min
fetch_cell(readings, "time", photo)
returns 5 h 22 min
